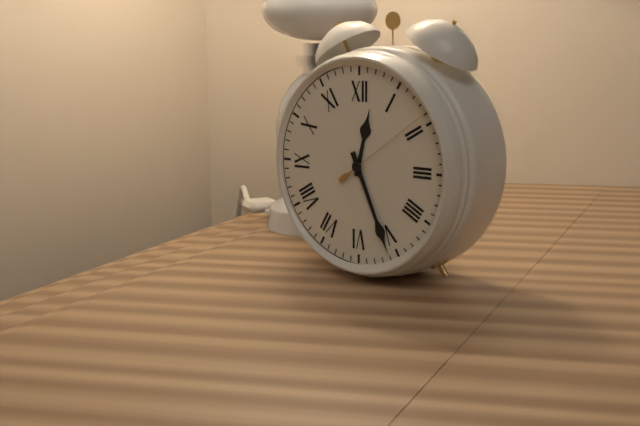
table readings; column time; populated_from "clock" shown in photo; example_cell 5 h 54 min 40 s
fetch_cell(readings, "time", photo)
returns 12 h 26 min 09 s
